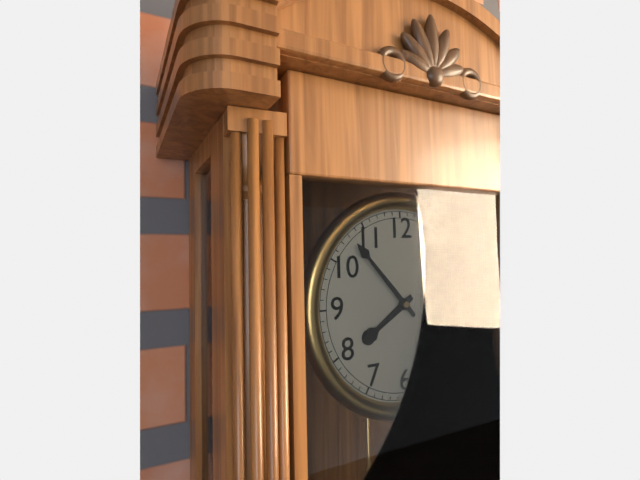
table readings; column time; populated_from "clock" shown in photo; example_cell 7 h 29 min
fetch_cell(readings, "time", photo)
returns 7 h 53 min
